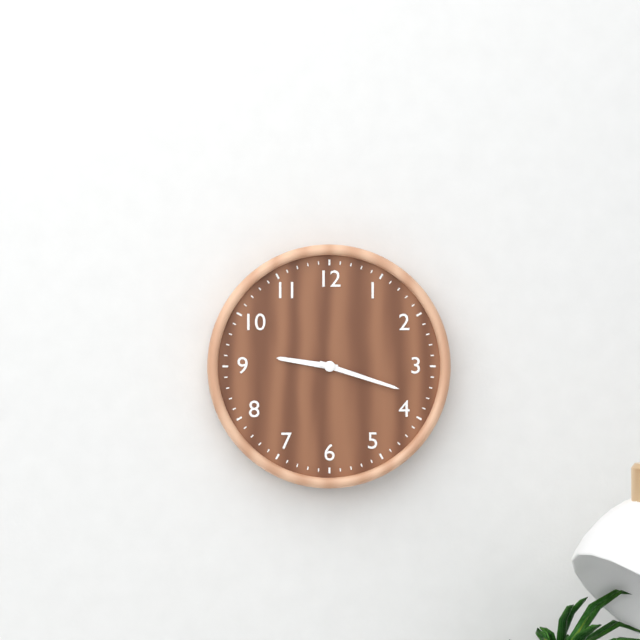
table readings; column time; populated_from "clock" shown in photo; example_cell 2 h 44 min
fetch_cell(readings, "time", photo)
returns 9 h 18 min
